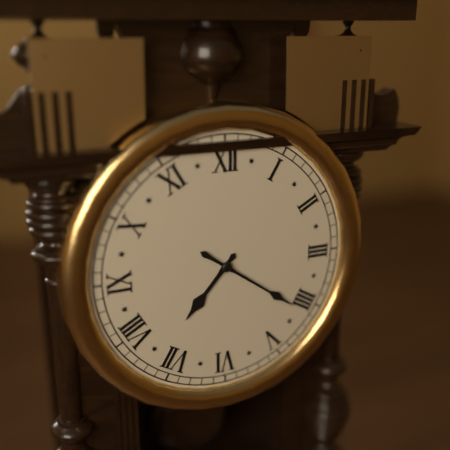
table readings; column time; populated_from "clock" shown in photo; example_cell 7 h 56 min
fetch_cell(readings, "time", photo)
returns 7 h 21 min
